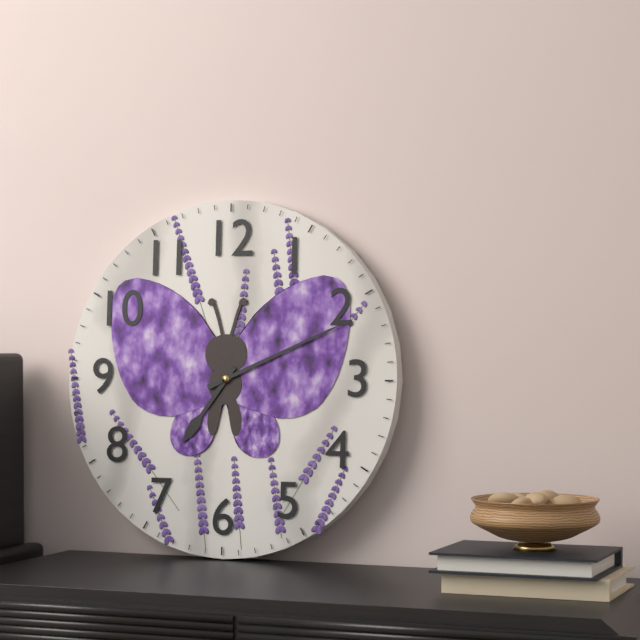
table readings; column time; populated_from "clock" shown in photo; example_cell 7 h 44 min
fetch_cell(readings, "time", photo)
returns 7 h 11 min
